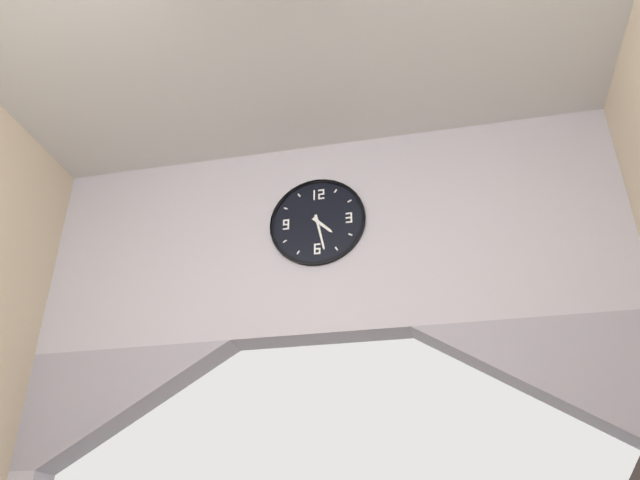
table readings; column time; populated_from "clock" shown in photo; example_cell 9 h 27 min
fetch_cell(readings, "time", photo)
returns 4 h 28 min
